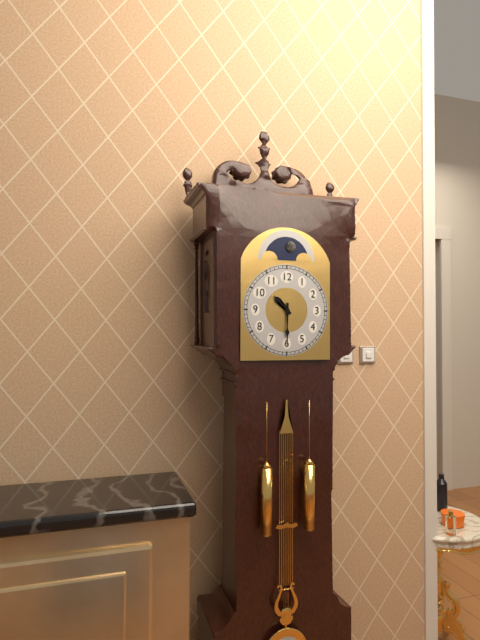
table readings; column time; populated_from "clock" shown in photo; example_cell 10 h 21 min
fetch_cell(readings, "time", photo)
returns 10 h 30 min
